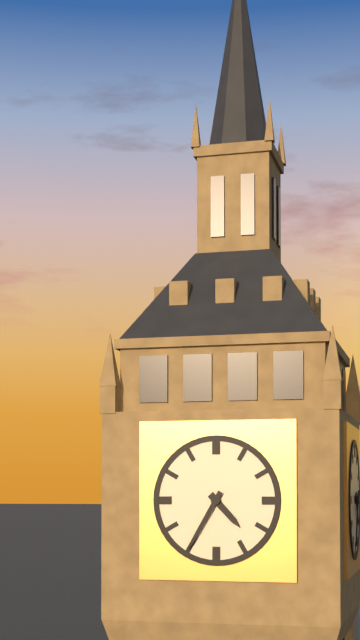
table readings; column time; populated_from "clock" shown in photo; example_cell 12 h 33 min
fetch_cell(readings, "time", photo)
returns 4 h 35 min
